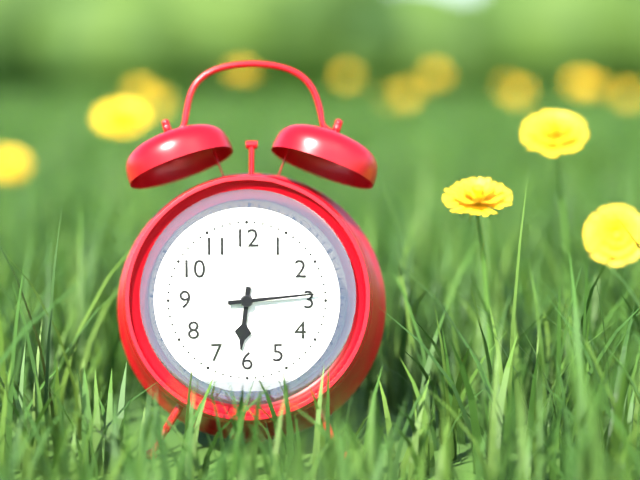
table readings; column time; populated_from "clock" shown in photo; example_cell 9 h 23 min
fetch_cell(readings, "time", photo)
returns 6 h 14 min
